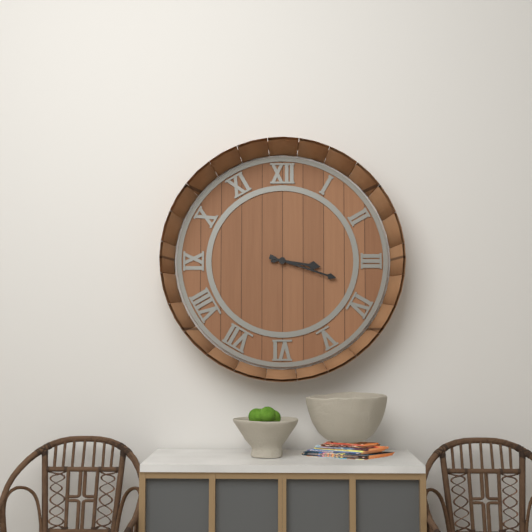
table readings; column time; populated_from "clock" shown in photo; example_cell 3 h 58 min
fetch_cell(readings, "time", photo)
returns 3 h 18 min
